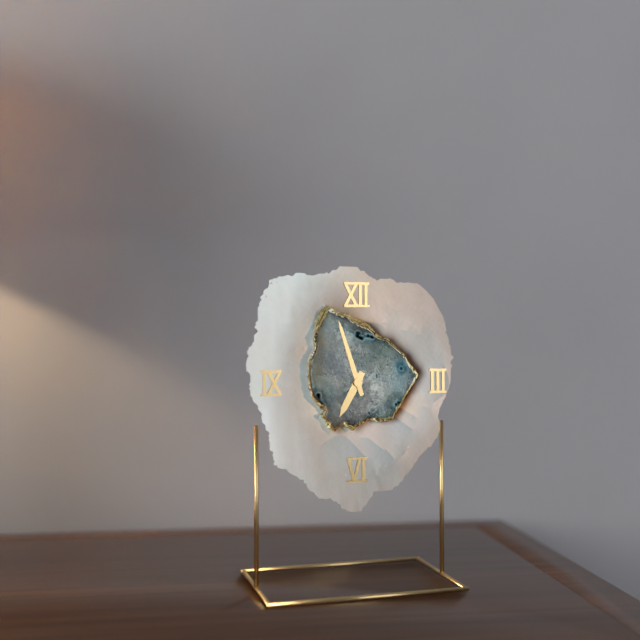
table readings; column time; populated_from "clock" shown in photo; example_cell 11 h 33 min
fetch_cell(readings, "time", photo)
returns 6 h 57 min
